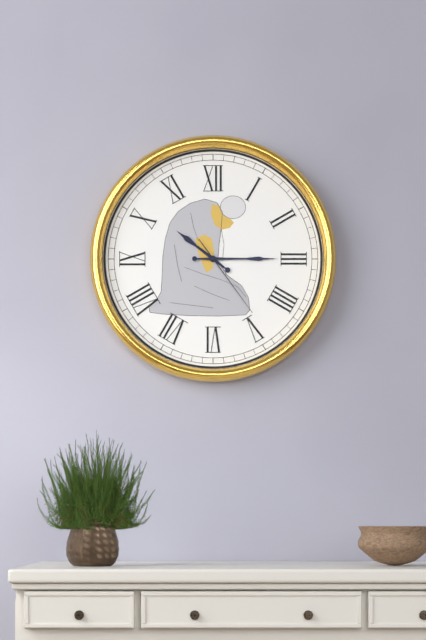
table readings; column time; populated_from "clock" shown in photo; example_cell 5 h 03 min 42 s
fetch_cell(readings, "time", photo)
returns 10 h 15 min 24 s
